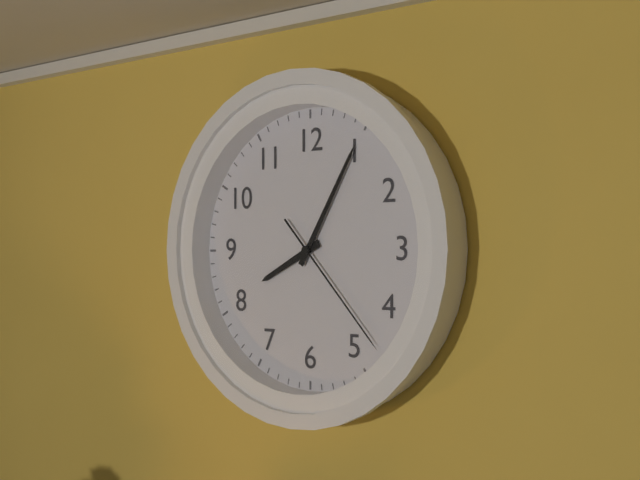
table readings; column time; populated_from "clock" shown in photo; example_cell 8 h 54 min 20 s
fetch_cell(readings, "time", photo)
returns 8 h 05 min 23 s
